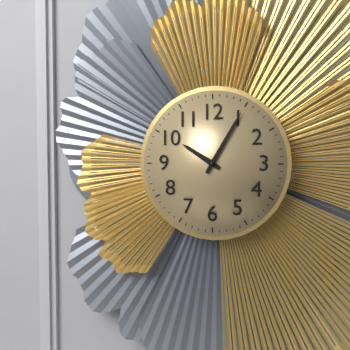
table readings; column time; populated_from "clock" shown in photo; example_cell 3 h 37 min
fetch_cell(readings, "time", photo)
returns 10 h 05 min
